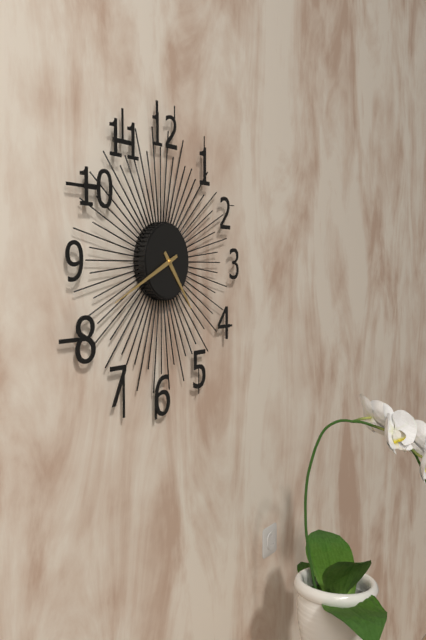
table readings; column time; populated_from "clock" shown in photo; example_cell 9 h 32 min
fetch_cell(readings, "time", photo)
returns 4 h 41 min
